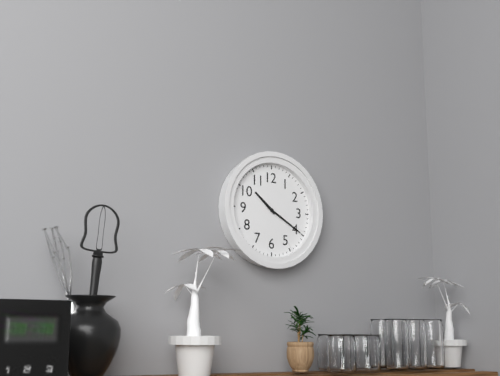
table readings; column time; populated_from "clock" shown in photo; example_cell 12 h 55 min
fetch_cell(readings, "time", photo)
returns 10 h 20 min
